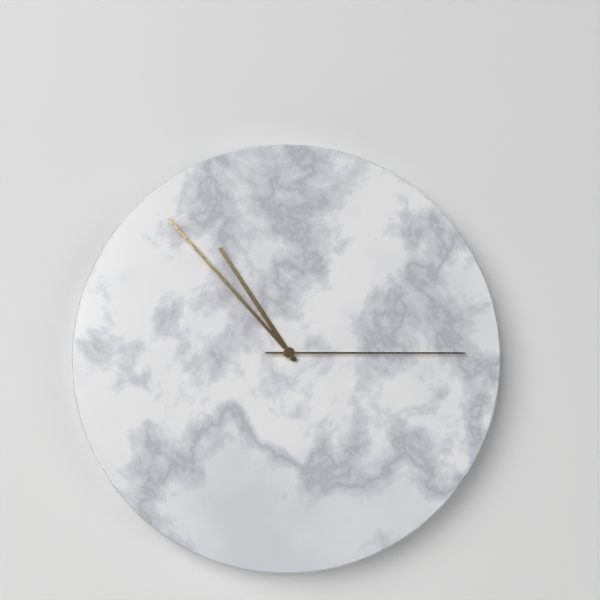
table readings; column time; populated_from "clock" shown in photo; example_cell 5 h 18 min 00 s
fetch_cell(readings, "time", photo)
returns 10 h 53 min 15 s
